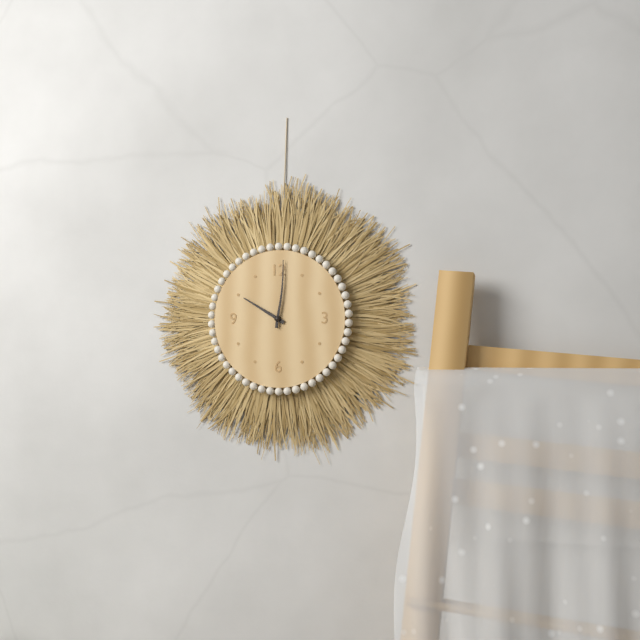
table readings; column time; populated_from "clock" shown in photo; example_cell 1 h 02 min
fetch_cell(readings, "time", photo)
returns 10 h 01 min
